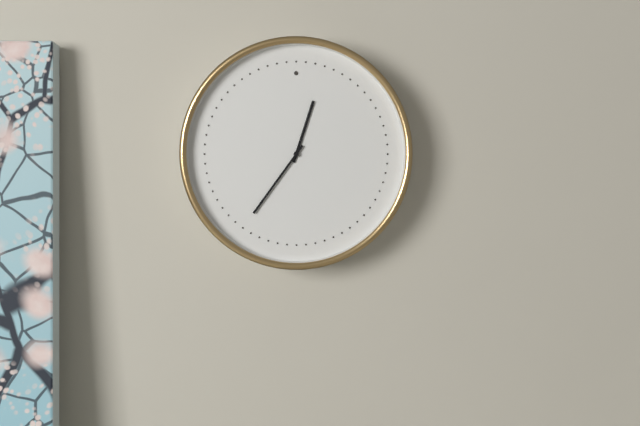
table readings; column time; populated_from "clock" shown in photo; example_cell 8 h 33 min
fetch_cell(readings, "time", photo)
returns 12 h 36 min
